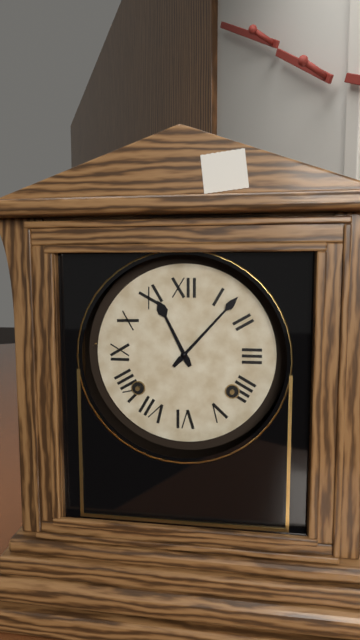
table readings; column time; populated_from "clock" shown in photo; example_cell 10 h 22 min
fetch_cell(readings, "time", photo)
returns 11 h 07 min
